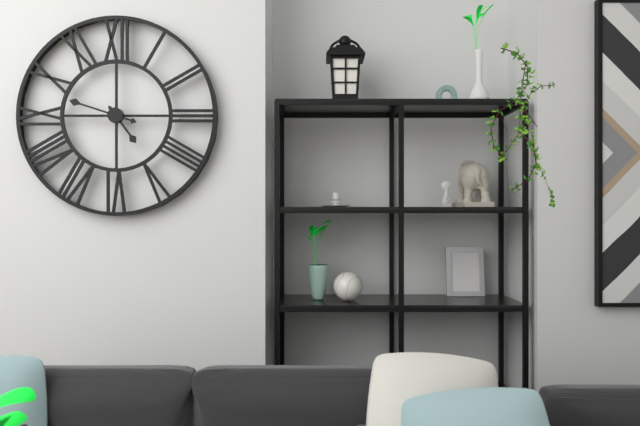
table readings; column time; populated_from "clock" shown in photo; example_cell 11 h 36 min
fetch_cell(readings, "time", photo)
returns 4 h 48 min
